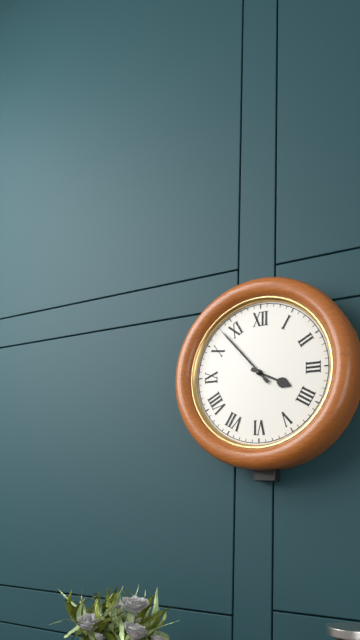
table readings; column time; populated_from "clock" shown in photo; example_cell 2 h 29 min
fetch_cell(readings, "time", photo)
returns 3 h 53 min
